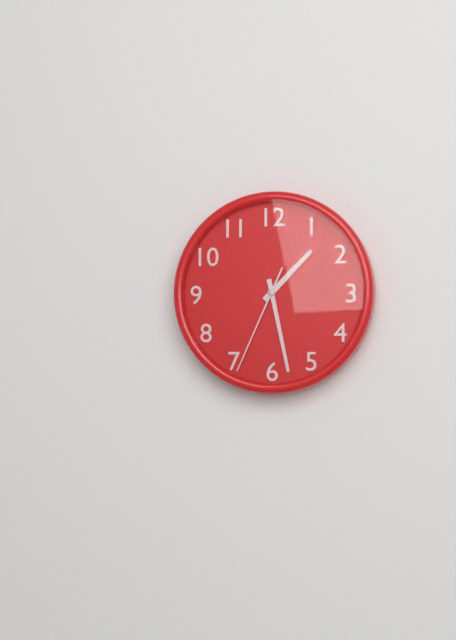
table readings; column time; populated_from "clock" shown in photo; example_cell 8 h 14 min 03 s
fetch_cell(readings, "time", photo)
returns 1 h 28 min 34 s
